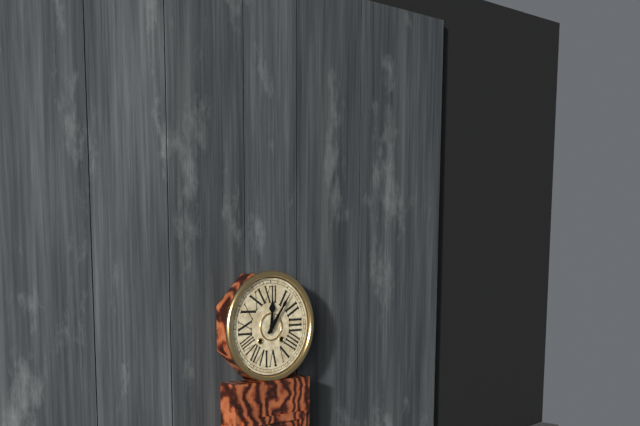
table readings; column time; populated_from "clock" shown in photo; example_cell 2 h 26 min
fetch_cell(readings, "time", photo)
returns 12 h 06 min
